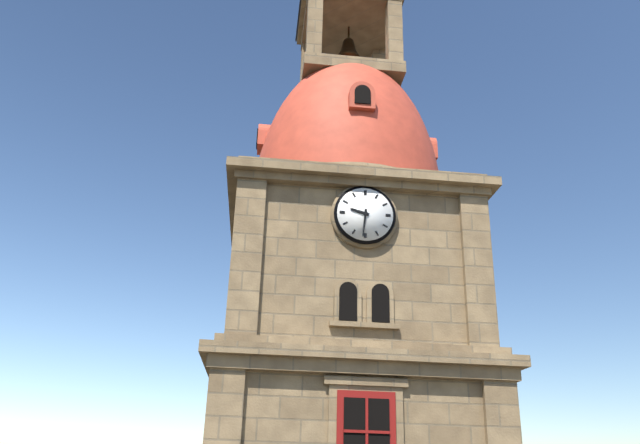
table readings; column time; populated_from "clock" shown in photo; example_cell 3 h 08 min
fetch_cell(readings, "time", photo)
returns 9 h 31 min
